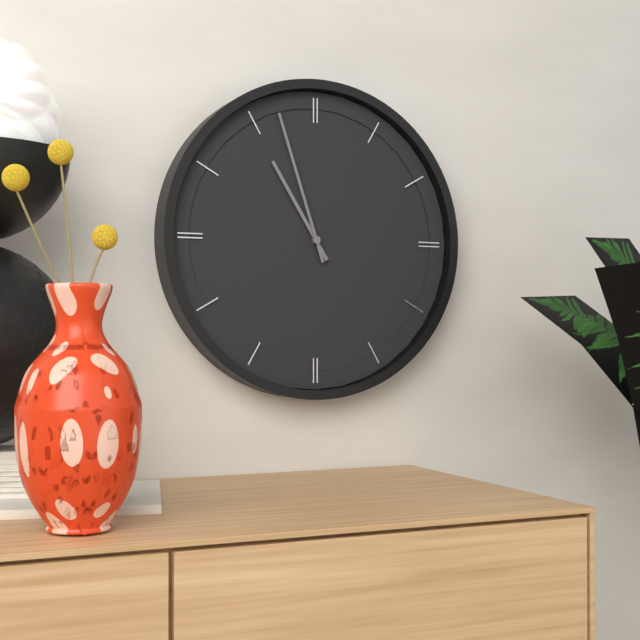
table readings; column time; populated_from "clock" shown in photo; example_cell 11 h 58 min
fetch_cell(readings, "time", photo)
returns 10 h 57 min
